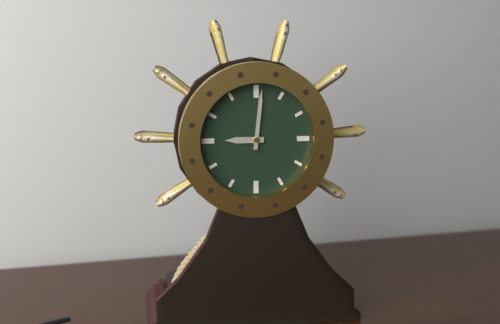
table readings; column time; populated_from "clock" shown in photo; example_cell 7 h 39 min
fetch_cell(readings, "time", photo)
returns 9 h 01 min
